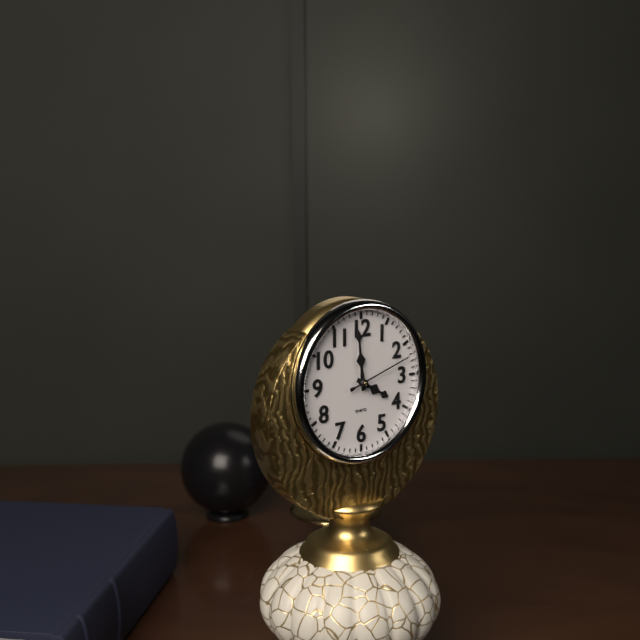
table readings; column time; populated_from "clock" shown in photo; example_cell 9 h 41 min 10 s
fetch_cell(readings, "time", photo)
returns 3 h 59 min 12 s
